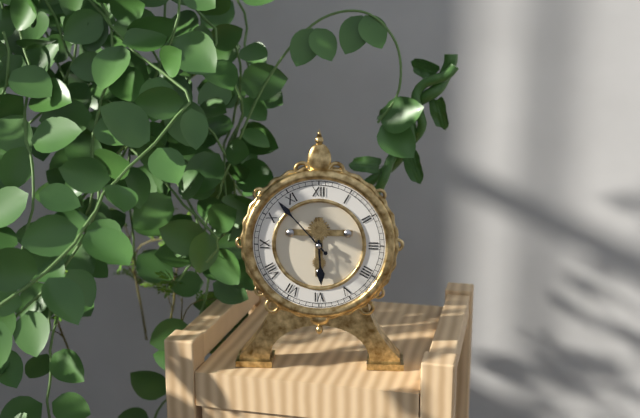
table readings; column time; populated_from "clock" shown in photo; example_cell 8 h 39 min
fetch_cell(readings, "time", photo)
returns 5 h 53 min
